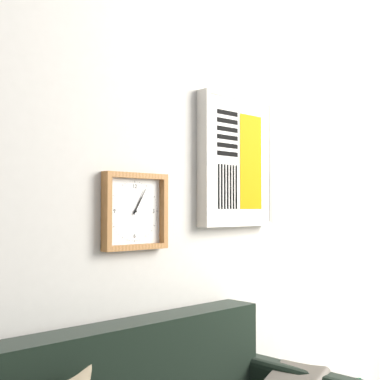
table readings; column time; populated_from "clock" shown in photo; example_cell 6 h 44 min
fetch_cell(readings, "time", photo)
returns 1 h 05 min
